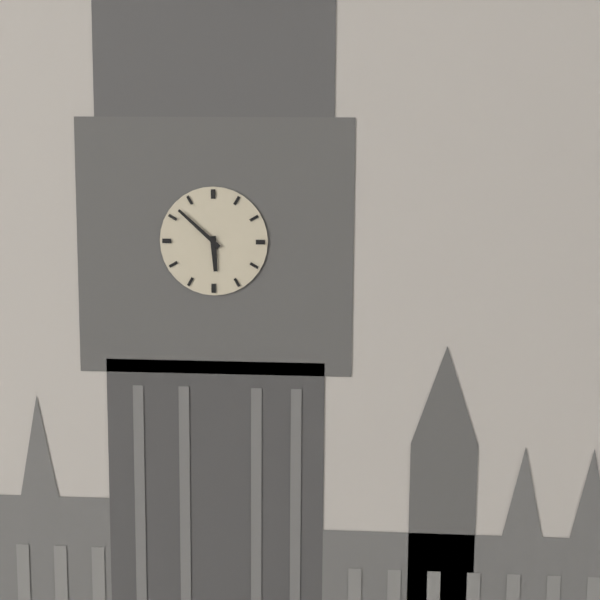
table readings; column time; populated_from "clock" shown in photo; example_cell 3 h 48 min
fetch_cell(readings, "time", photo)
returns 5 h 52 min
